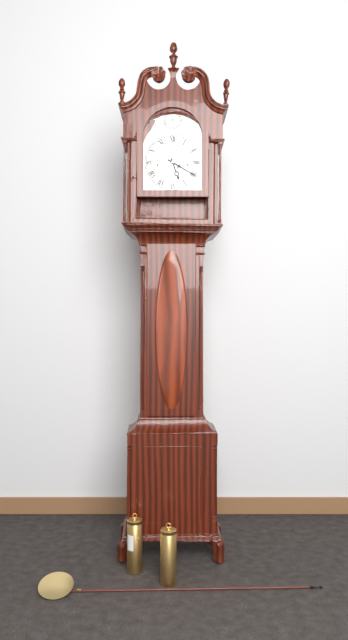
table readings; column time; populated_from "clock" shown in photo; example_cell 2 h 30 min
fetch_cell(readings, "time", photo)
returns 5 h 20 min
